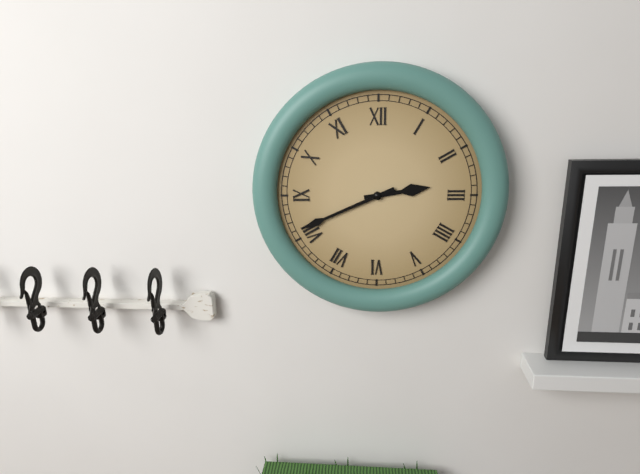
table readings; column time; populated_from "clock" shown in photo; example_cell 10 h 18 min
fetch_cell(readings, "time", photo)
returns 2 h 41 min
